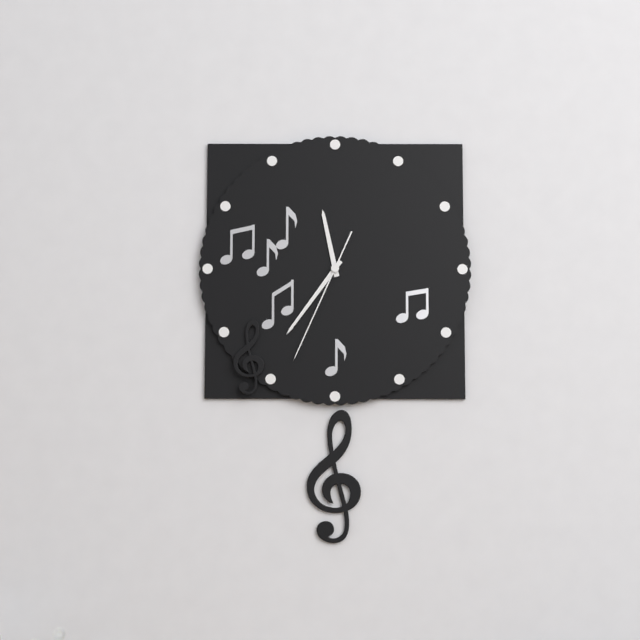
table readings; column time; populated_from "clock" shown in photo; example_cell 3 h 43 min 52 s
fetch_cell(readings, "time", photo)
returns 11 h 36 min 34 s
